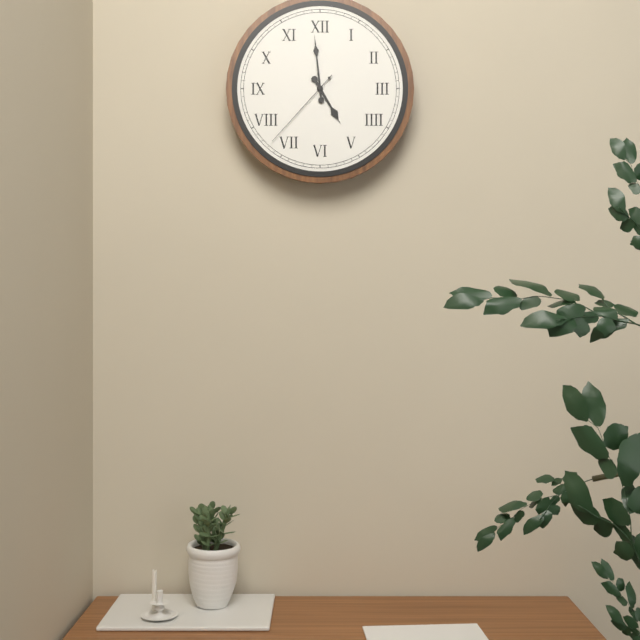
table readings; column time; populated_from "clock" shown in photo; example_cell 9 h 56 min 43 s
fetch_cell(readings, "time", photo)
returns 4 h 59 min 37 s
